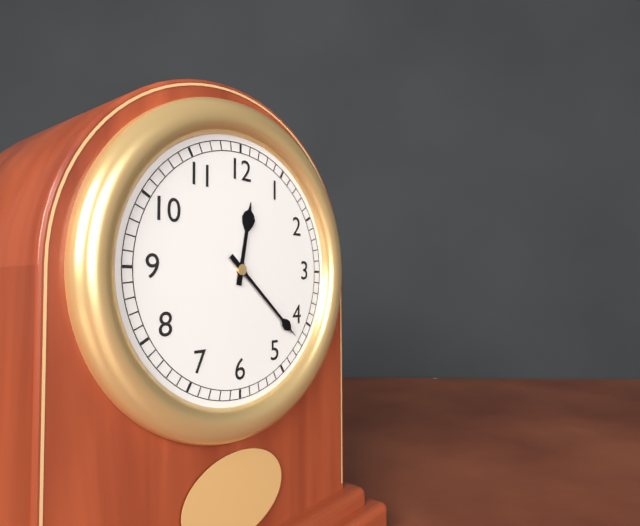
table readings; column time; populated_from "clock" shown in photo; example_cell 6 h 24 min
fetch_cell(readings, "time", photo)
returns 12 h 22 min
